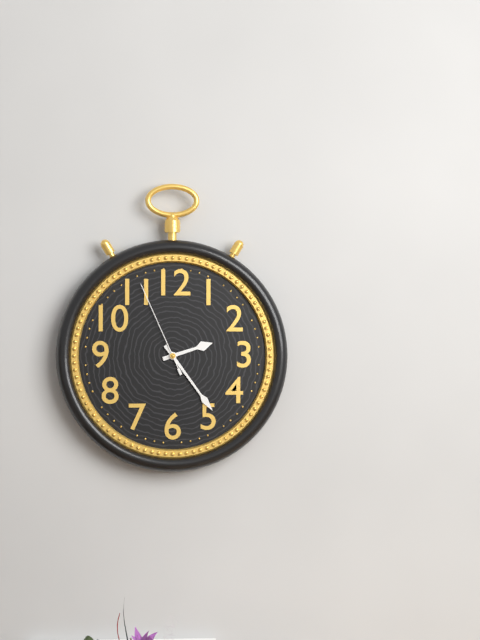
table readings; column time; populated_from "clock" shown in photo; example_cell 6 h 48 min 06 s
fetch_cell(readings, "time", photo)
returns 2 h 24 min 56 s
